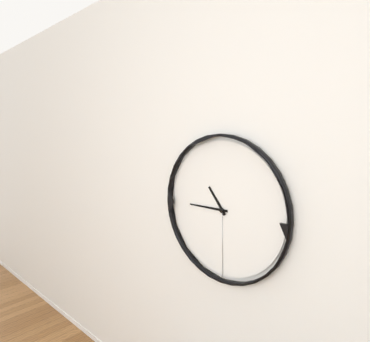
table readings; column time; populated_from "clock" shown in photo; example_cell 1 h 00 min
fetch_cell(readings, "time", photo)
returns 10 h 45 min
